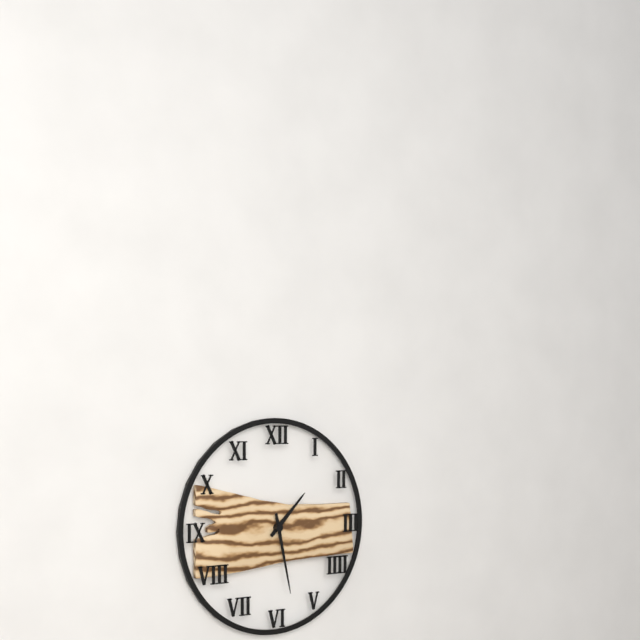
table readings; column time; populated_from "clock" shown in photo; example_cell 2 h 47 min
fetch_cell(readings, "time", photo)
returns 1 h 28 min
